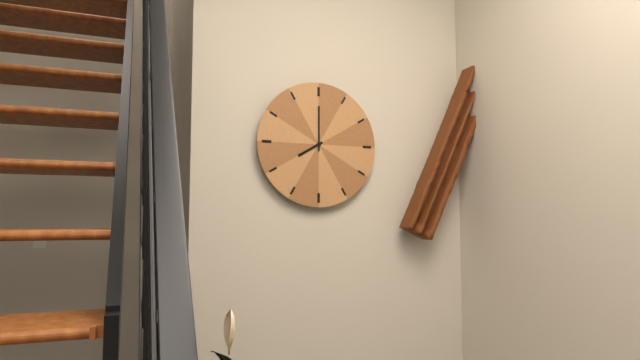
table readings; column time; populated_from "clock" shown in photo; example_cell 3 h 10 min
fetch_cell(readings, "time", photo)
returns 8 h 00 min
